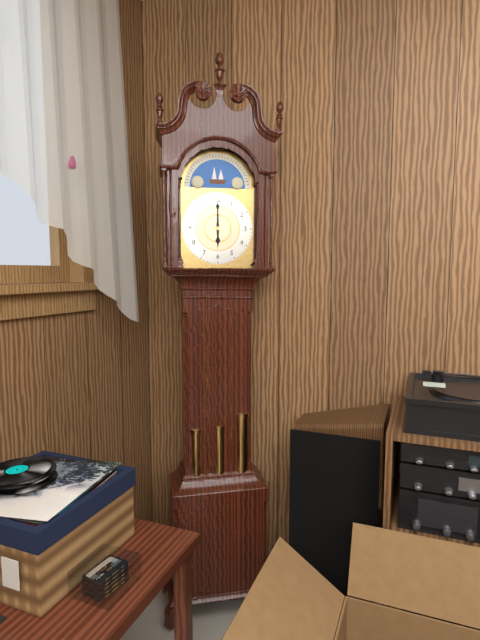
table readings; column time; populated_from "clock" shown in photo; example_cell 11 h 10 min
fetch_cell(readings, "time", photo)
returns 6 h 00 min
